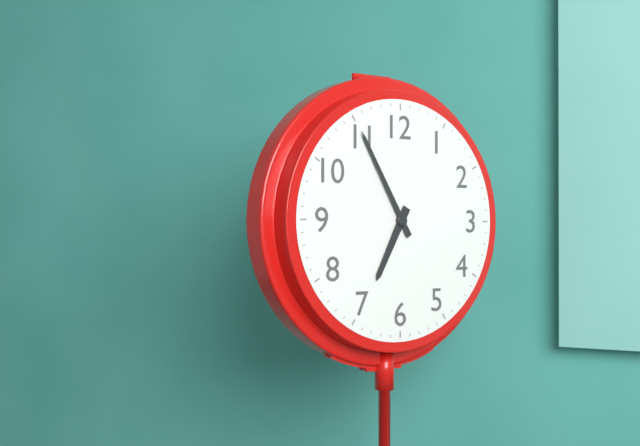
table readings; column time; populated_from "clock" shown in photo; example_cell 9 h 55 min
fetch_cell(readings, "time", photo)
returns 6 h 55 min
